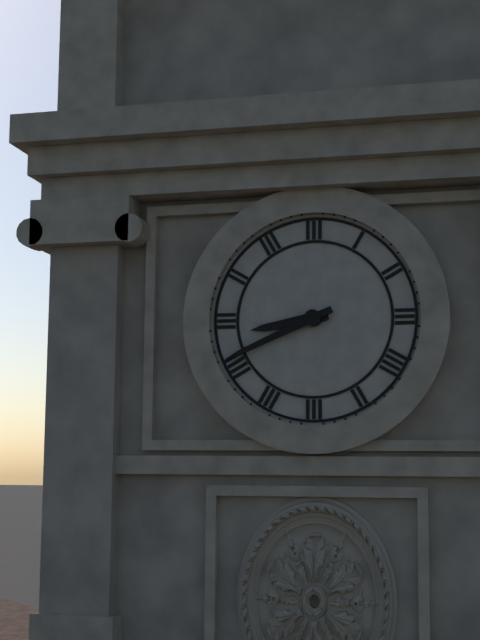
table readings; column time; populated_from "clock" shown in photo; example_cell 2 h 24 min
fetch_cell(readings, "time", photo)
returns 8 h 41 min
